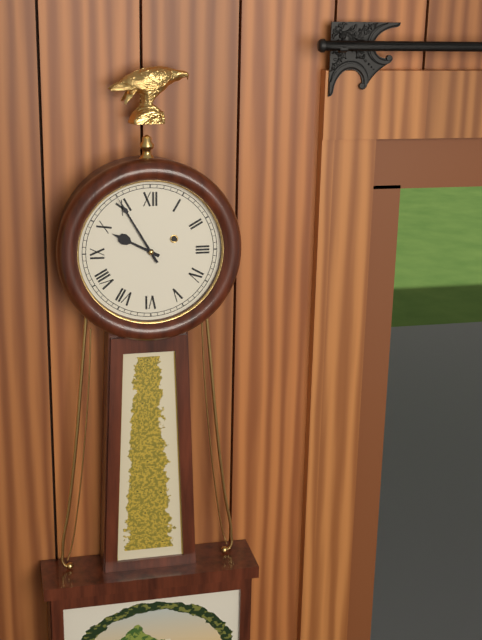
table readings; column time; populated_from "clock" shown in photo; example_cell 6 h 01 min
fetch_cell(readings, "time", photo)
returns 9 h 55 min
